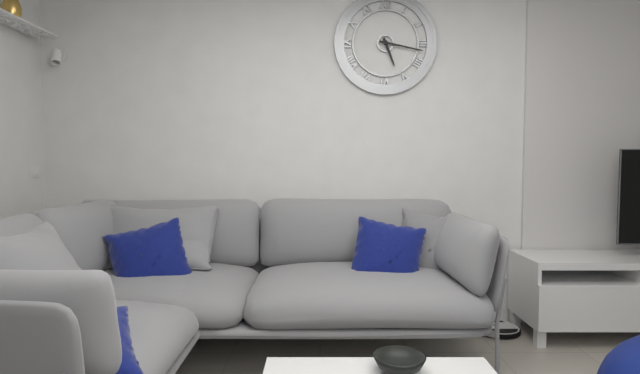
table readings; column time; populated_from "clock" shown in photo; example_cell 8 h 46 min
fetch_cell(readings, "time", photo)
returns 5 h 17 min
